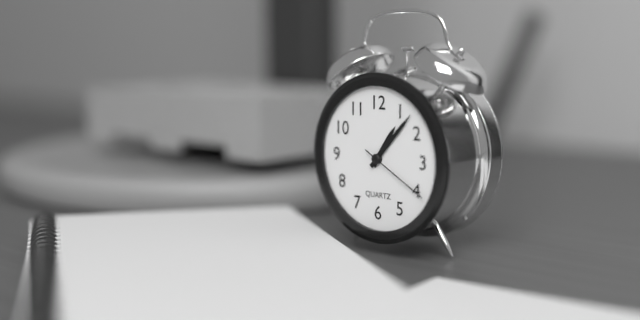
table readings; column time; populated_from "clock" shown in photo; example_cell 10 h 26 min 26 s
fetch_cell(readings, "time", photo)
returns 1 h 07 min 20 s
